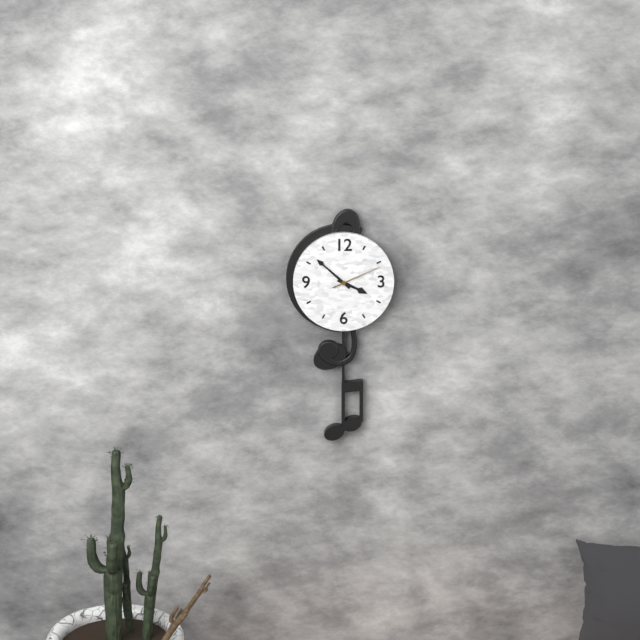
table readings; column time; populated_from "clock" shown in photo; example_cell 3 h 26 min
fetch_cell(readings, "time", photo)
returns 3 h 52 min
